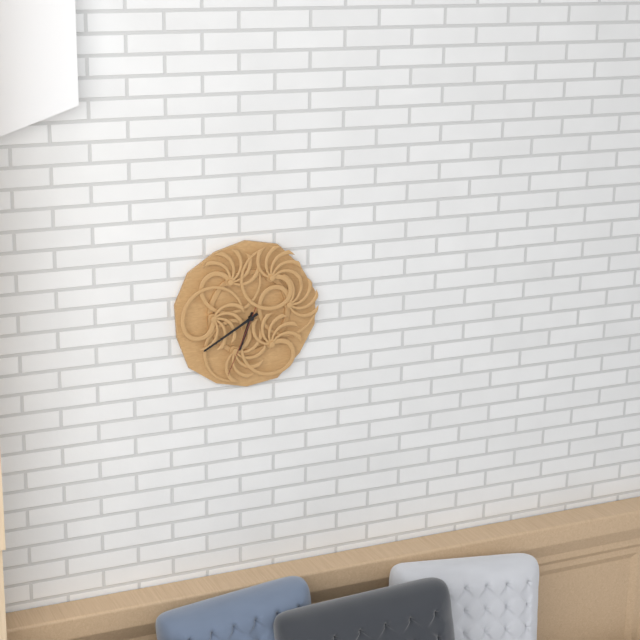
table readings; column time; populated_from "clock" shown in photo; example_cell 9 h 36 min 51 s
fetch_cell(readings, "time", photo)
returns 6 h 40 min 34 s
